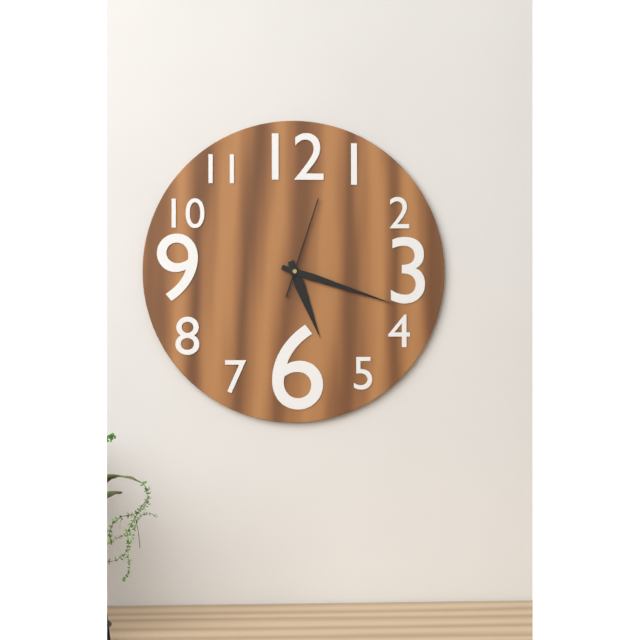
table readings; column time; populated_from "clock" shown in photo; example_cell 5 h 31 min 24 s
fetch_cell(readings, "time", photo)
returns 5 h 18 min 03 s
